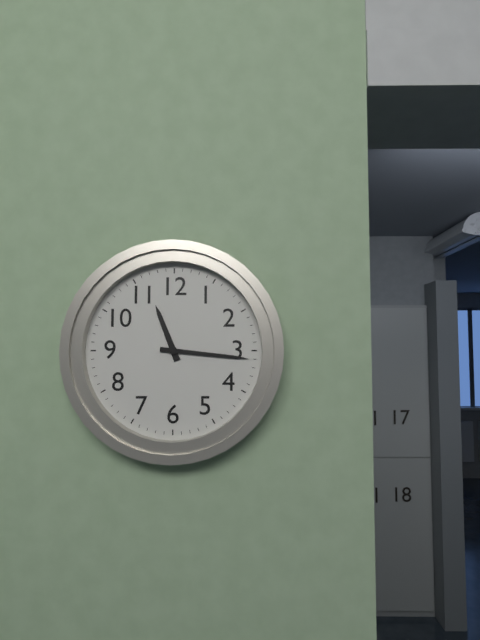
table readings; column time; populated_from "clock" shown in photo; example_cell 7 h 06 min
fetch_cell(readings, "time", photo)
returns 11 h 16 min
